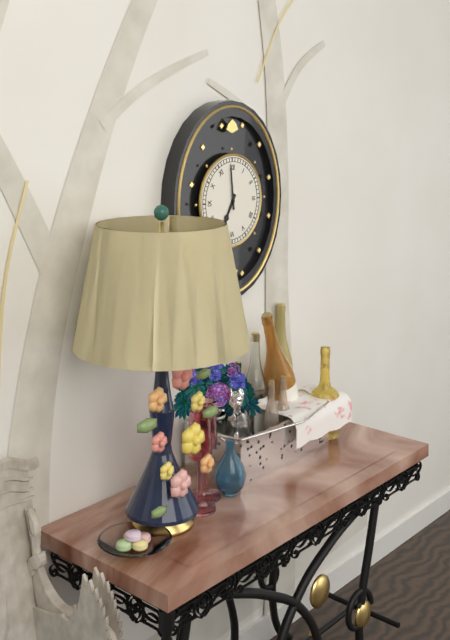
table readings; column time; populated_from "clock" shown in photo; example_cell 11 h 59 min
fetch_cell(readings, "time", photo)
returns 6 h 59 min
